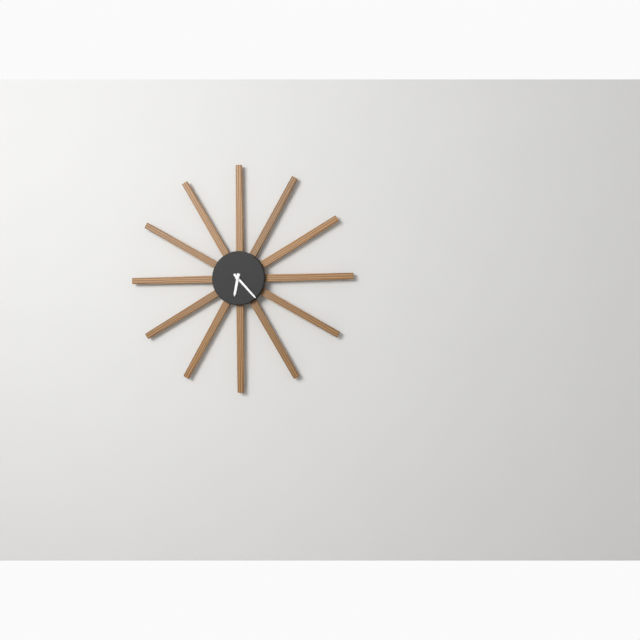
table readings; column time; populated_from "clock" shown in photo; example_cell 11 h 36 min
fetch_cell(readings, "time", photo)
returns 6 h 23 min
